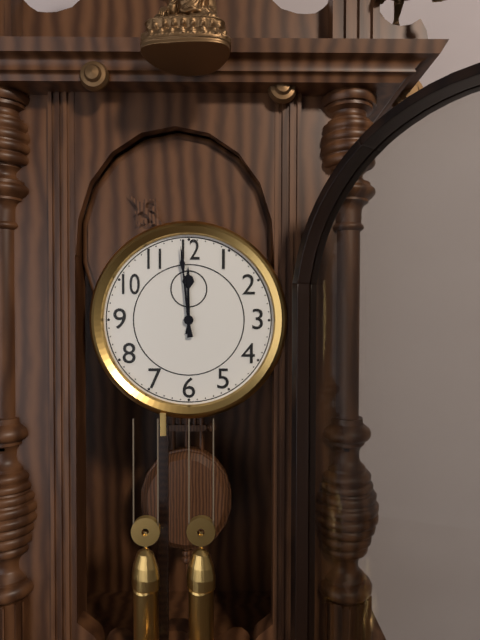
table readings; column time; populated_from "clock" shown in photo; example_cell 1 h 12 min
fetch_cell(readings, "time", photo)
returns 11 h 59 min
